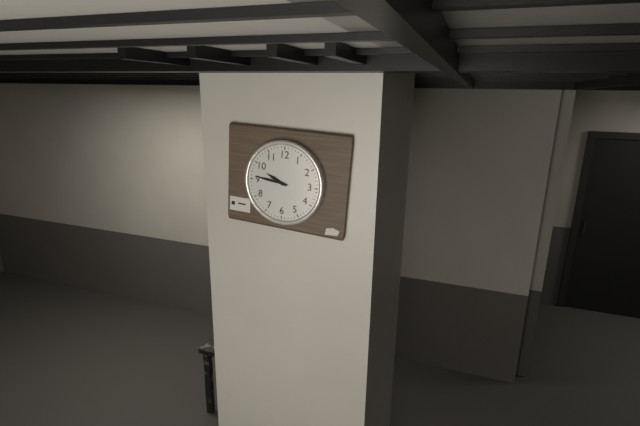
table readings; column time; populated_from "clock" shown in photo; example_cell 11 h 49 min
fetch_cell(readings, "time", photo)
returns 9 h 46 min
